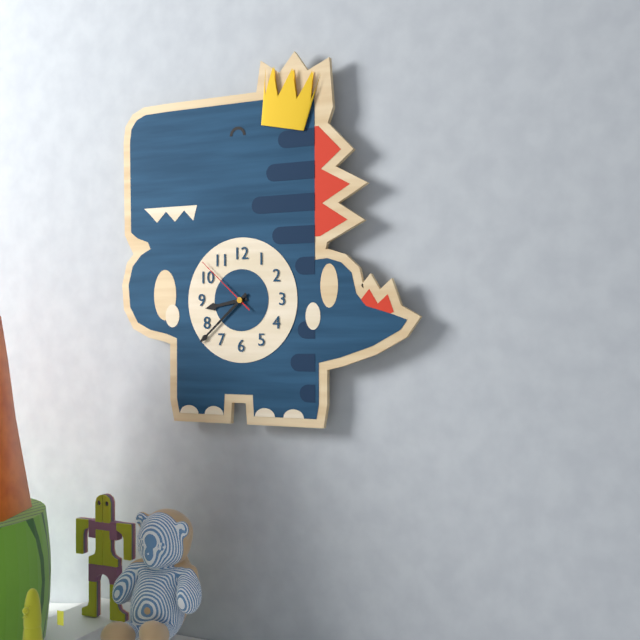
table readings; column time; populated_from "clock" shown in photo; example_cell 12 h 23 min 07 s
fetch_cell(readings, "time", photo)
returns 8 h 38 min 52 s
